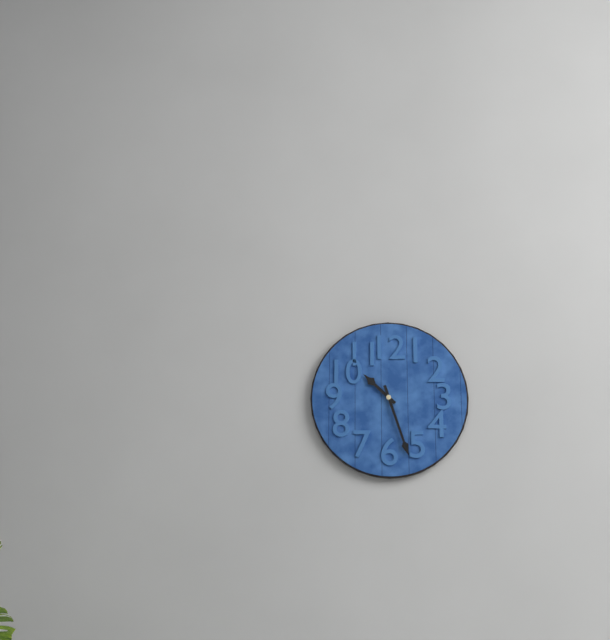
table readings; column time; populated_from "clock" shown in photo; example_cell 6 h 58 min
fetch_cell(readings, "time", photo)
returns 10 h 27 min
